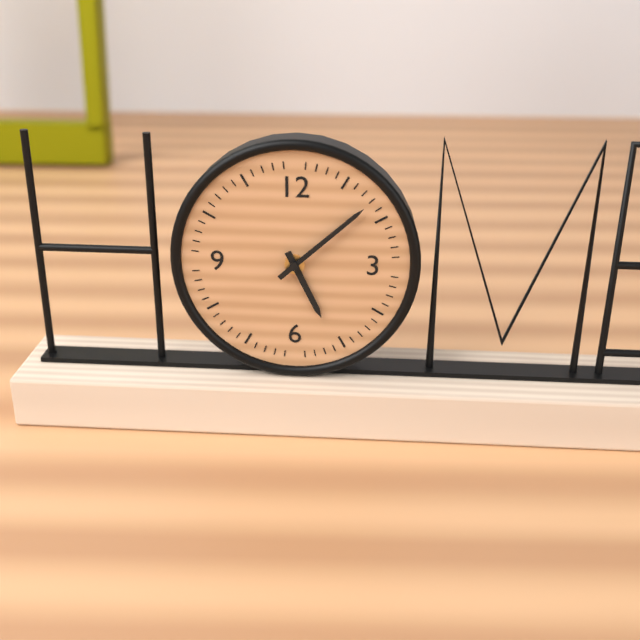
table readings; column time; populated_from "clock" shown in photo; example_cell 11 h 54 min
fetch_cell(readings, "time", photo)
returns 5 h 08 min
